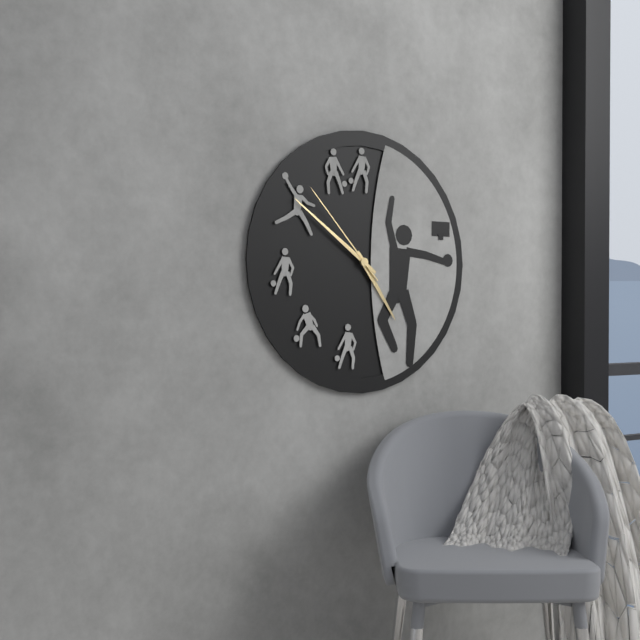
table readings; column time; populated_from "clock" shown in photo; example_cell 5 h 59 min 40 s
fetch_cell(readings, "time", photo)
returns 4 h 51 min 53 s
